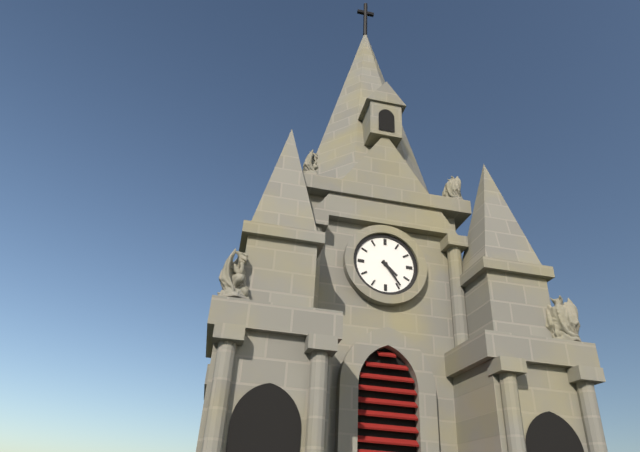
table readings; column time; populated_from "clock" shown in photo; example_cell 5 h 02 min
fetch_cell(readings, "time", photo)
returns 4 h 24 min
